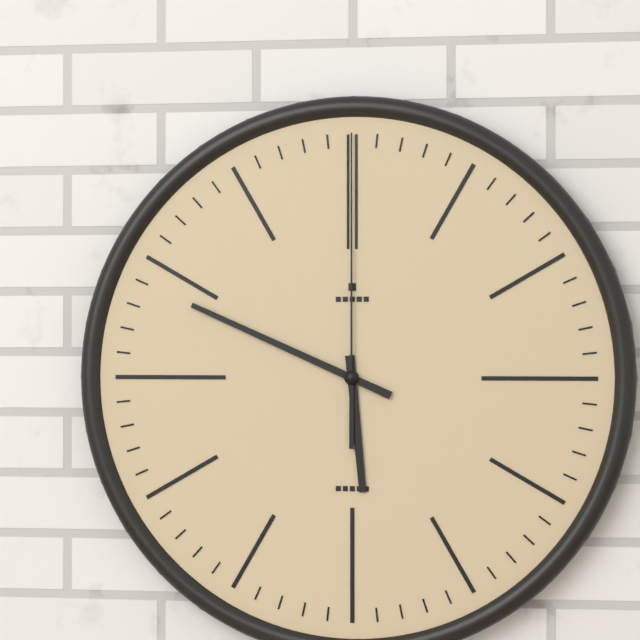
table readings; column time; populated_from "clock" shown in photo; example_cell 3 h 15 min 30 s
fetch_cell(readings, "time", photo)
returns 5 h 49 min 00 s
